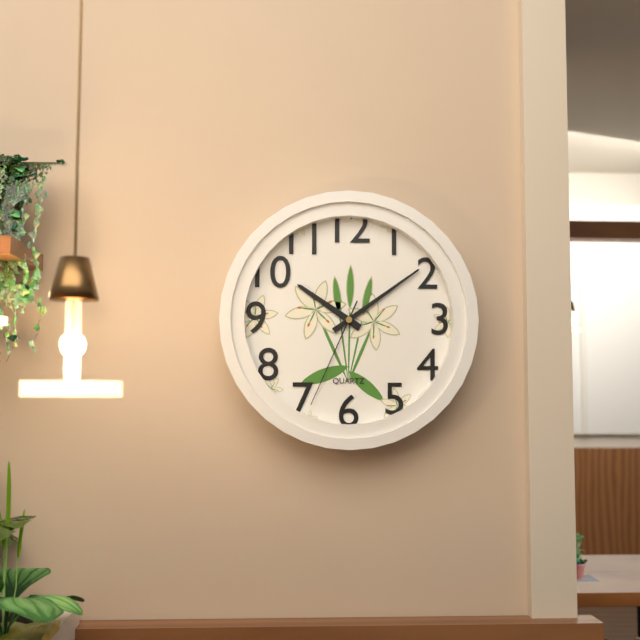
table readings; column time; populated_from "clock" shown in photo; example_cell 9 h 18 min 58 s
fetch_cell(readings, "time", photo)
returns 10 h 09 min 34 s
